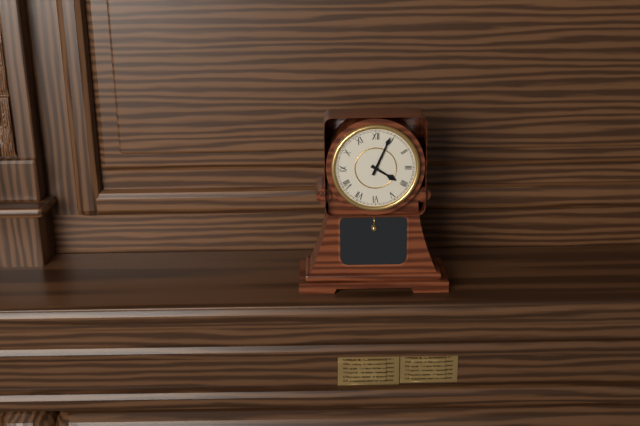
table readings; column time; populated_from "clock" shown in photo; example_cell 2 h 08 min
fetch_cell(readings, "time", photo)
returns 4 h 04 min
